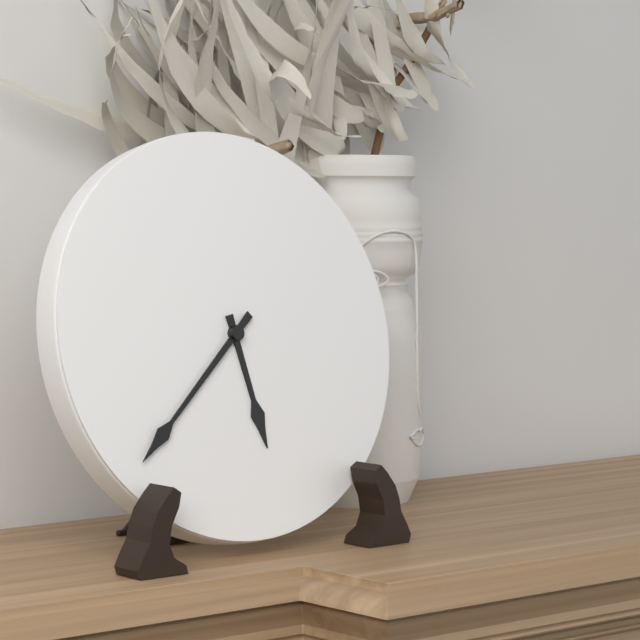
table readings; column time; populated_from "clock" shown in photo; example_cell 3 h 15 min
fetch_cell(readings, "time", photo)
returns 5 h 38 min
